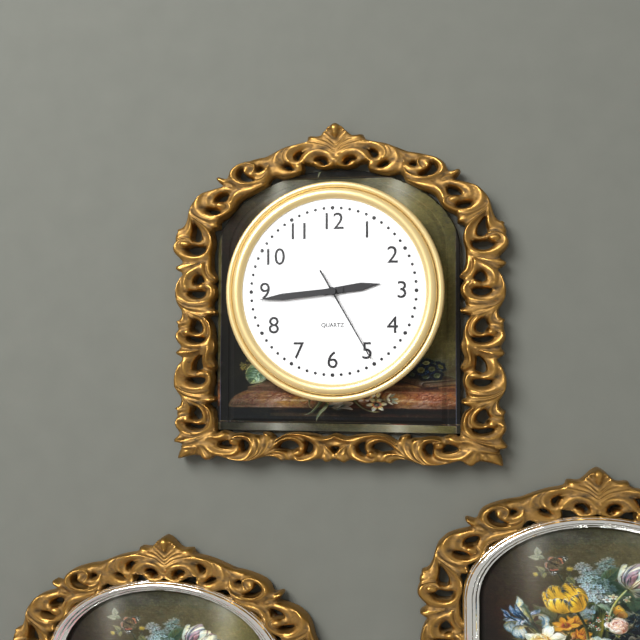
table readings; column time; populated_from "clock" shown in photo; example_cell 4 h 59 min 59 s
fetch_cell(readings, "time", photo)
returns 2 h 44 min 25 s
